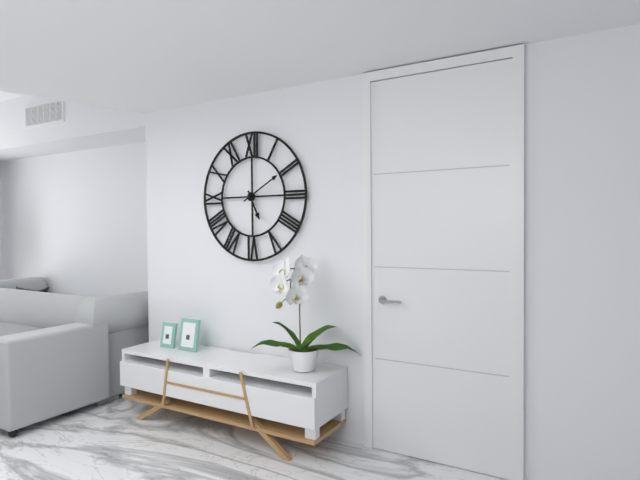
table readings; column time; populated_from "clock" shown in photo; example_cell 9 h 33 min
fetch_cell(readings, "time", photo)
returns 5 h 10 min
